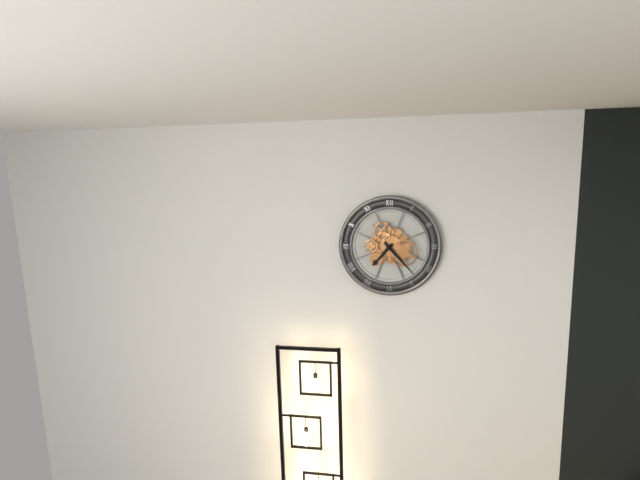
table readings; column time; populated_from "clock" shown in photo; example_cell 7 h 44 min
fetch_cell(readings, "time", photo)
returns 7 h 23 min
